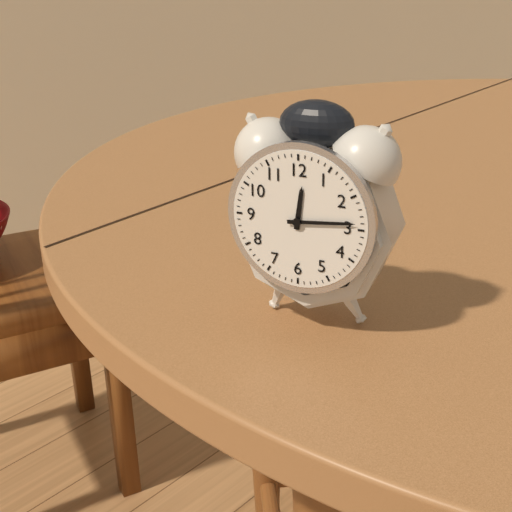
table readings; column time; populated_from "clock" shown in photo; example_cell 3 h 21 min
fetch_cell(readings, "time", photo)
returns 12 h 14 min
